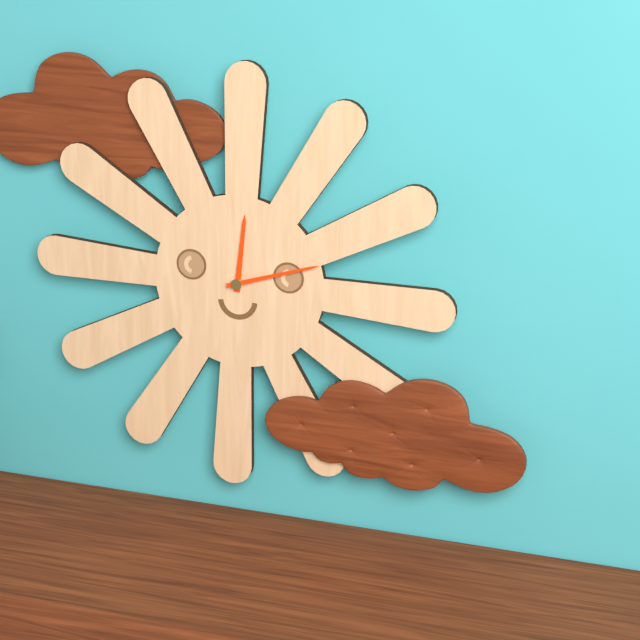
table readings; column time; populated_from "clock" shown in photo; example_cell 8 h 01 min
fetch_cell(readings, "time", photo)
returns 12 h 12 min
